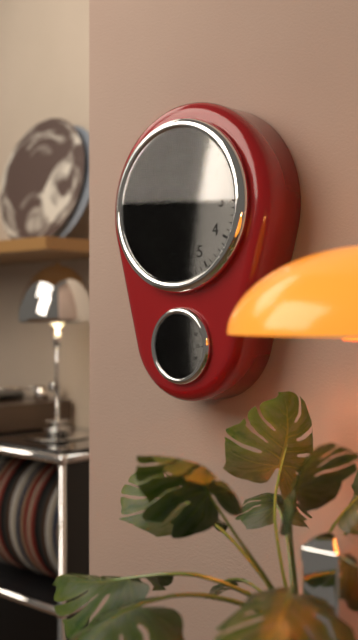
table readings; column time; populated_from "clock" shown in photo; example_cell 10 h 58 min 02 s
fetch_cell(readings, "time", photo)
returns 9 h 06 min 37 s
